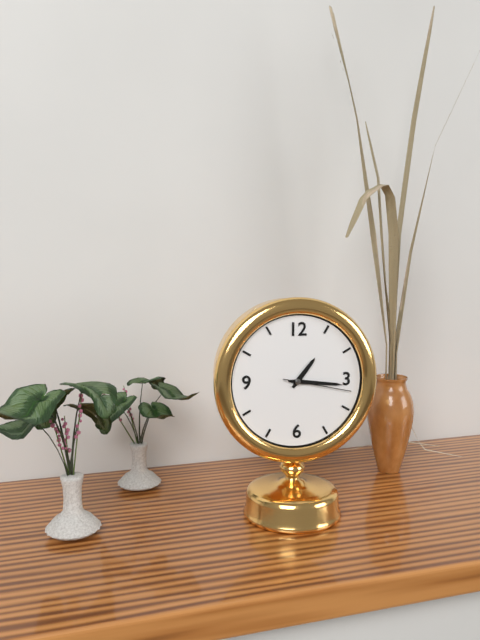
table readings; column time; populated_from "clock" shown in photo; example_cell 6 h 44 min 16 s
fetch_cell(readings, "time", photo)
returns 1 h 16 min 17 s
